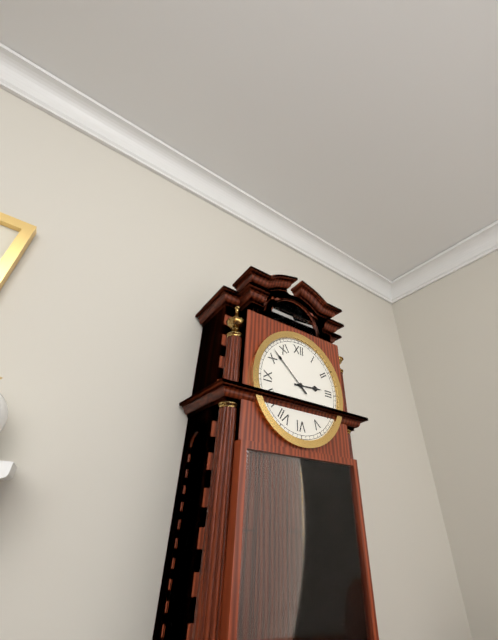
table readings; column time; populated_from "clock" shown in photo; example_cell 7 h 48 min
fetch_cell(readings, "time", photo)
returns 2 h 52 min
